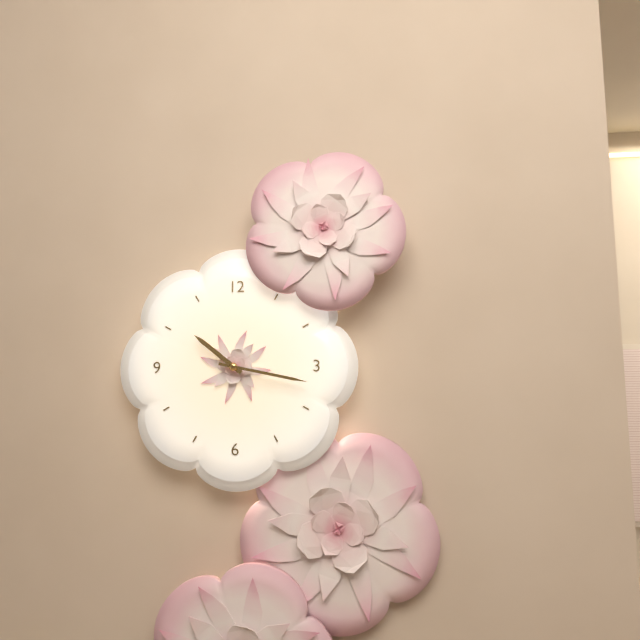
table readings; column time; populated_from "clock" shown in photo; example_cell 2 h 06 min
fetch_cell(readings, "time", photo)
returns 10 h 17 min
